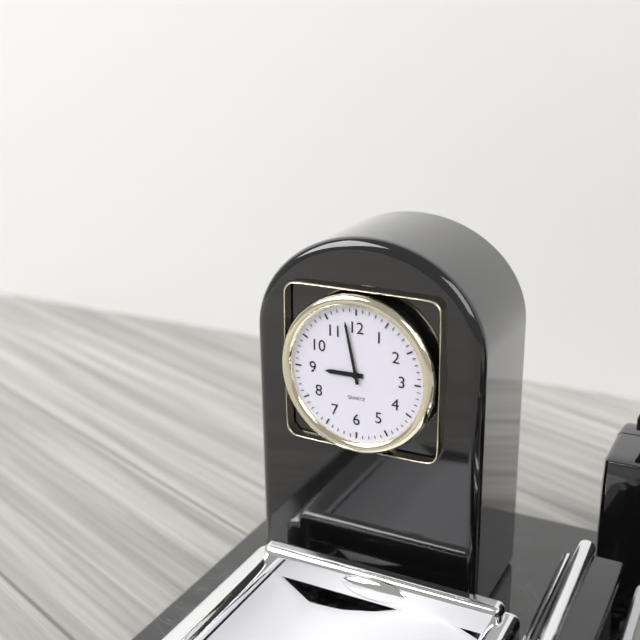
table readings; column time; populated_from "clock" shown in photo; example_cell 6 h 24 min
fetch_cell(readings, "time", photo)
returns 8 h 58 min
